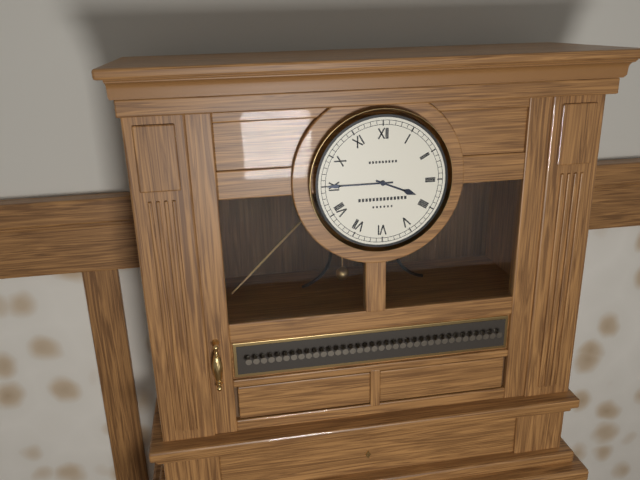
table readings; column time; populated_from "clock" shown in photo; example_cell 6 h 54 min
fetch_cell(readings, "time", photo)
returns 3 h 45 min
